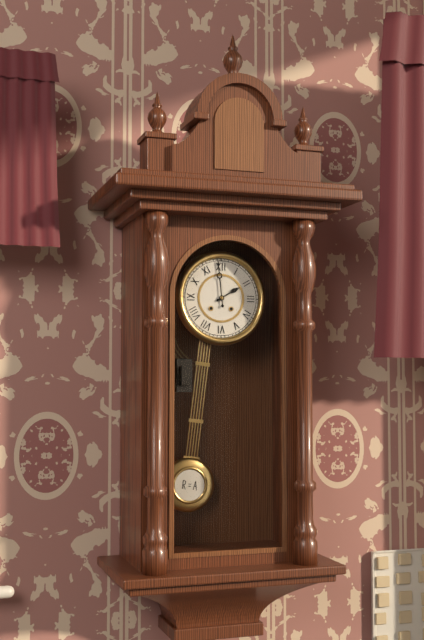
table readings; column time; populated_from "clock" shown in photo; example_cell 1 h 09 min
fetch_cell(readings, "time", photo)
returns 1 h 59 min
